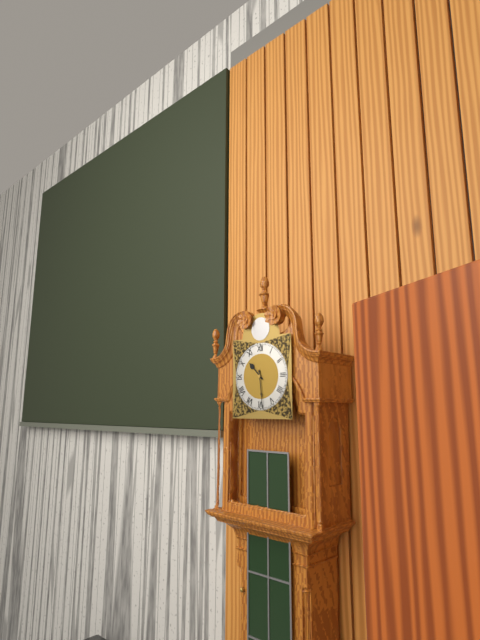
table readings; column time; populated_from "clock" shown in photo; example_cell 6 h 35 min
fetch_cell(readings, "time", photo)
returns 10 h 29 min
